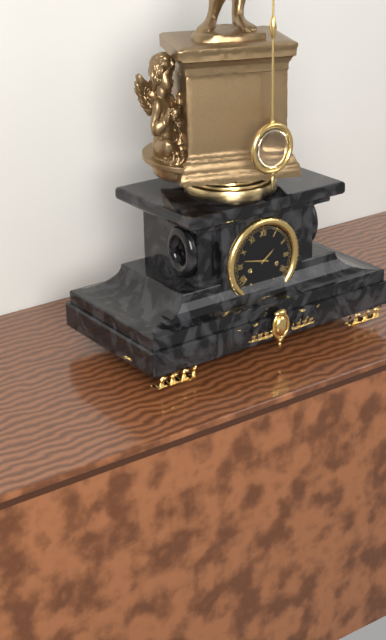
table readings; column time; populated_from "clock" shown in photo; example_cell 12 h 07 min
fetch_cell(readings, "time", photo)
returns 1 h 47 min
